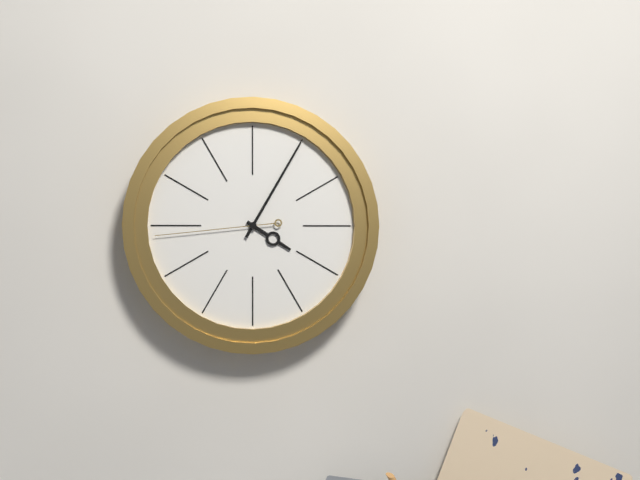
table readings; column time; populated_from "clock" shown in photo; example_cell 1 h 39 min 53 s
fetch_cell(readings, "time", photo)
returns 4 h 05 min 44 s
